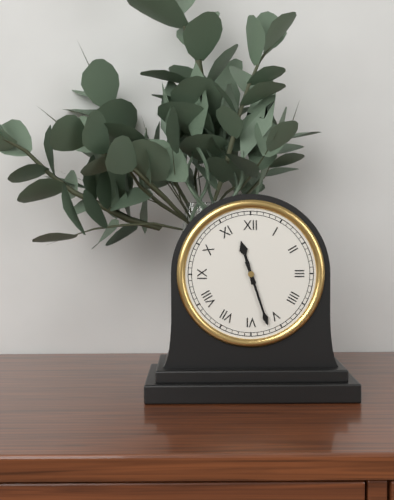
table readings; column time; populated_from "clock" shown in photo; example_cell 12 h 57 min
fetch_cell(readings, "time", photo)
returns 11 h 27 min
